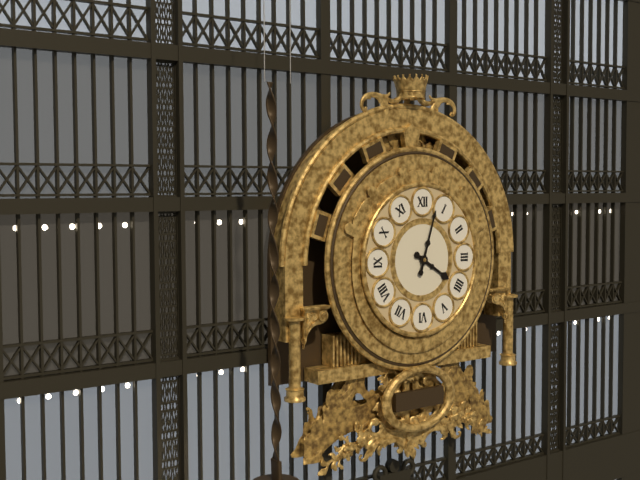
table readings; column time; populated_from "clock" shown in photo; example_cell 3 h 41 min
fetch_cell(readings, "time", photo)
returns 4 h 03 min
